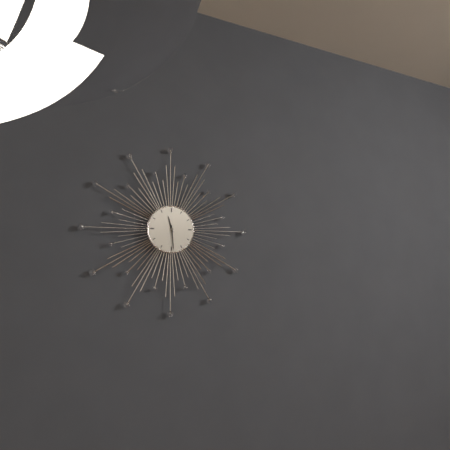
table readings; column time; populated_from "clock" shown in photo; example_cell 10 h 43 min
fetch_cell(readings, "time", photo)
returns 11 h 29 min
